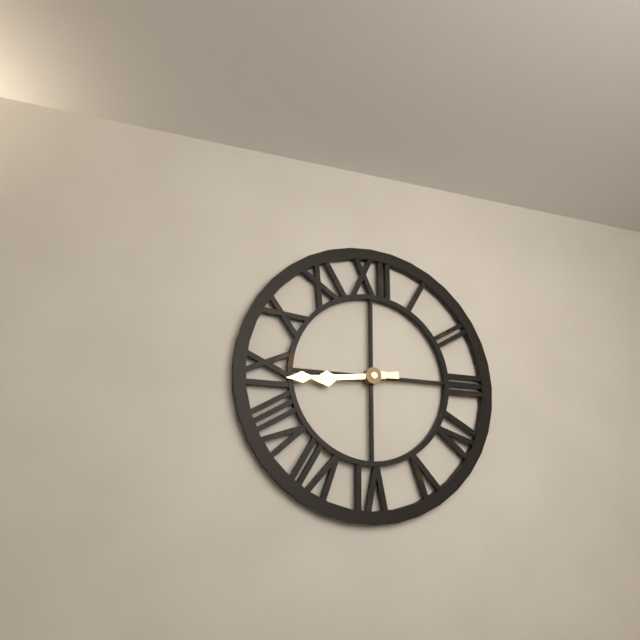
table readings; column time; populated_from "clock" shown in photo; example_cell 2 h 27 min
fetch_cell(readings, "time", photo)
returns 8 h 44 min
